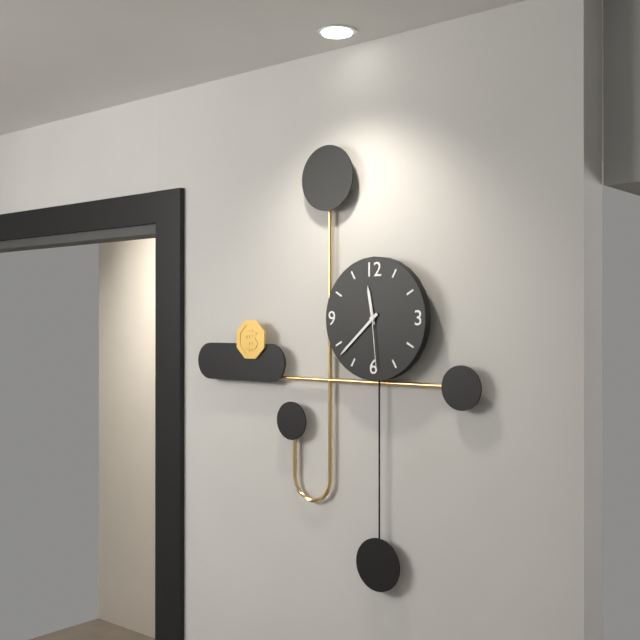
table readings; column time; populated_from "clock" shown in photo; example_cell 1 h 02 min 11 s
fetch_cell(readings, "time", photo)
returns 11 h 38 min 29 s
